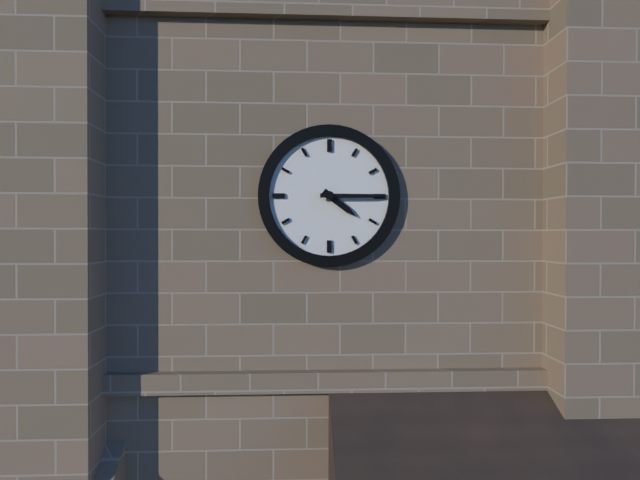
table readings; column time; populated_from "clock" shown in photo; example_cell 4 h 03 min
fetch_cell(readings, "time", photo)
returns 4 h 15 min
